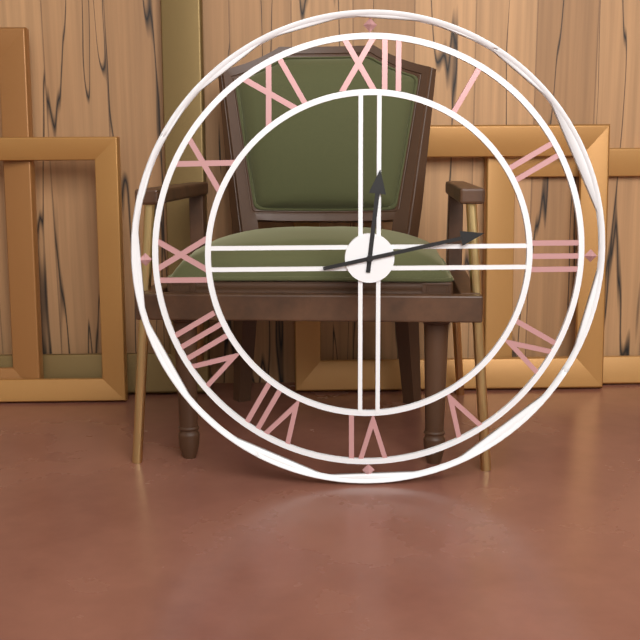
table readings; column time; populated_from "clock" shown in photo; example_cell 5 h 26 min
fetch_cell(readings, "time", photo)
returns 12 h 13 min
